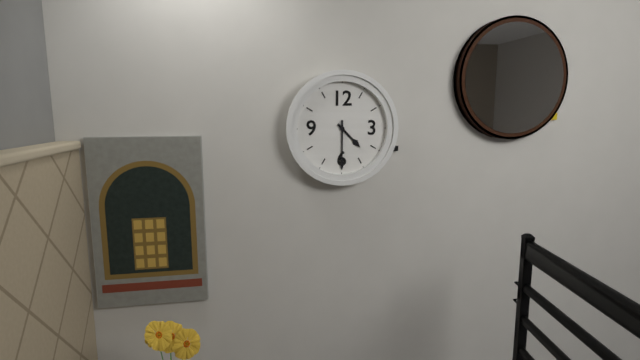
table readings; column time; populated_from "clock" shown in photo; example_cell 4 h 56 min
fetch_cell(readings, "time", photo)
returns 4 h 30 min
